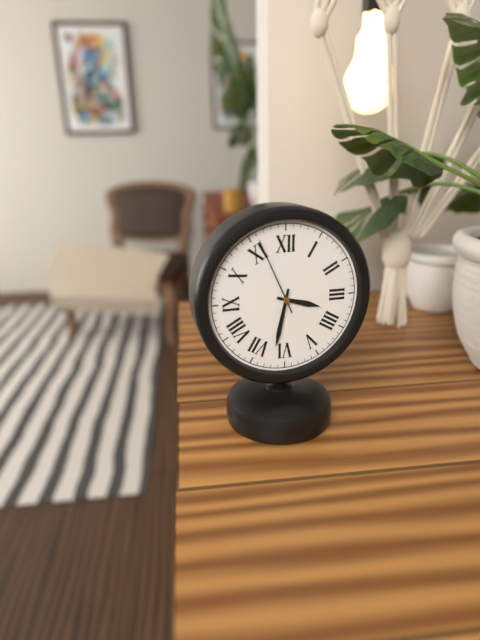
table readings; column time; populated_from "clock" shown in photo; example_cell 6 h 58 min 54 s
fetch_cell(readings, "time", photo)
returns 3 h 32 min 56 s
